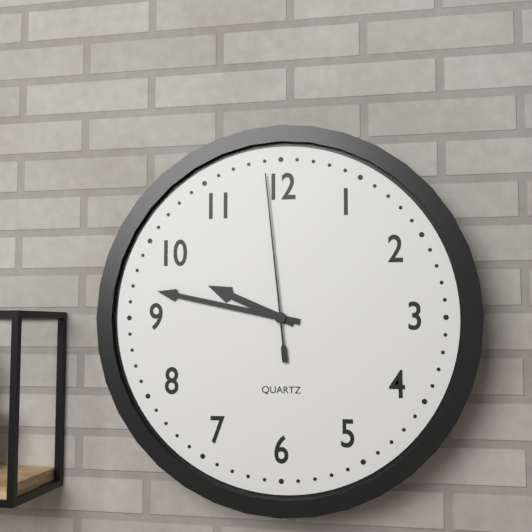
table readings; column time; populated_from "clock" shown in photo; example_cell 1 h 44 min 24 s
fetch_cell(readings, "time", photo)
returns 9 h 47 min 59 s
